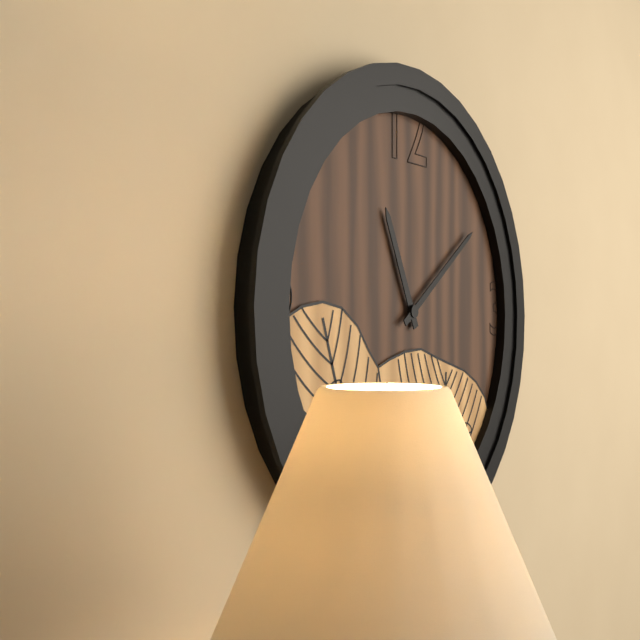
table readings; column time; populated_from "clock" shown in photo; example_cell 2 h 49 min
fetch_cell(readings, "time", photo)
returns 11 h 09 min
